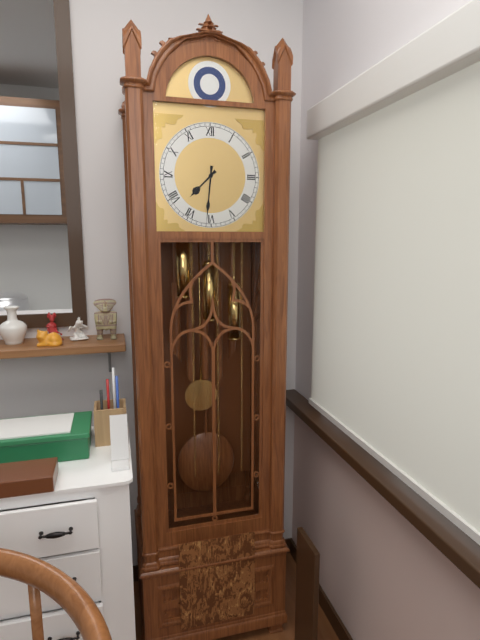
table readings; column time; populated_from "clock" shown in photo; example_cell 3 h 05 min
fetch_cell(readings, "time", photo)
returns 7 h 31 min
